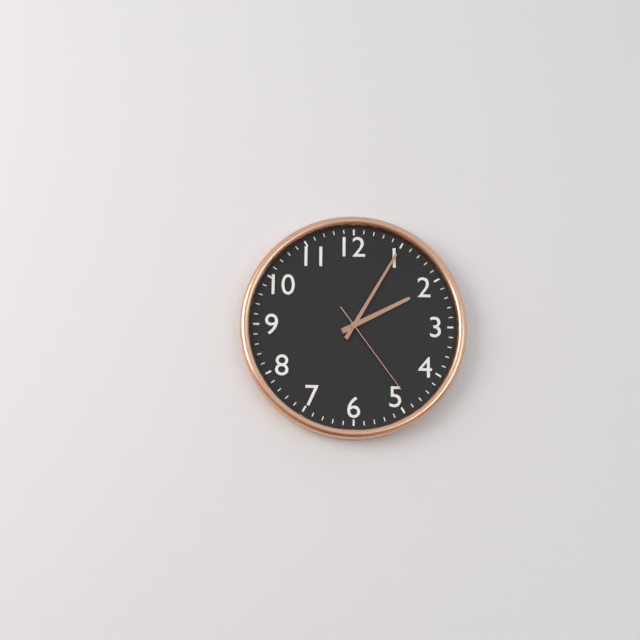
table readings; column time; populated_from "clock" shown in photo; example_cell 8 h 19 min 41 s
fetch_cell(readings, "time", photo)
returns 2 h 05 min 24 s
